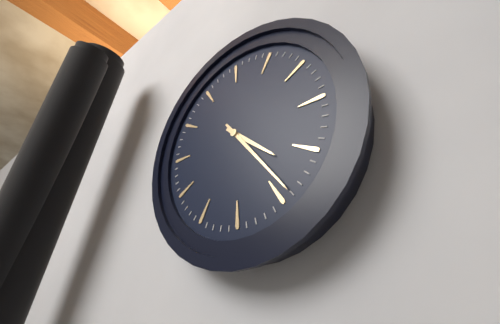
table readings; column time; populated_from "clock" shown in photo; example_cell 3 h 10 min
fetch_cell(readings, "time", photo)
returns 4 h 24 min
